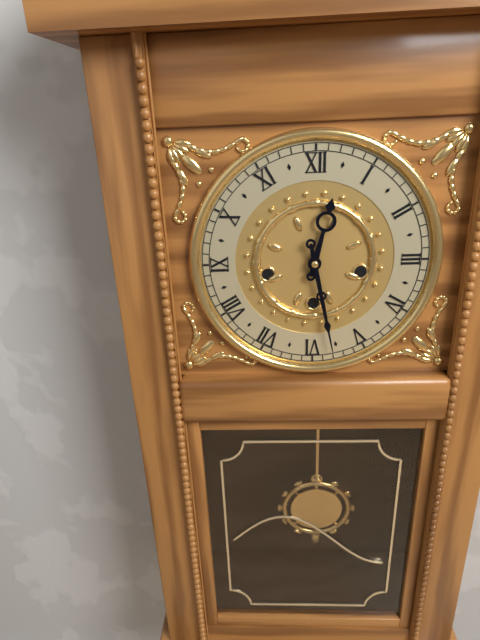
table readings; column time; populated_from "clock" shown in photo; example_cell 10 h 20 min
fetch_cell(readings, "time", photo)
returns 12 h 28 min
